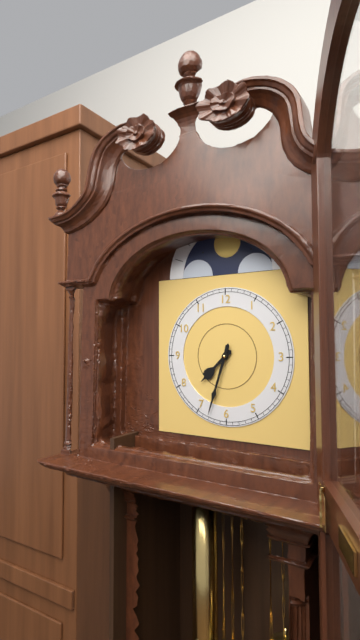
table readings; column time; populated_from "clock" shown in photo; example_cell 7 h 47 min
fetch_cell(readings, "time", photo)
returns 7 h 33 min
